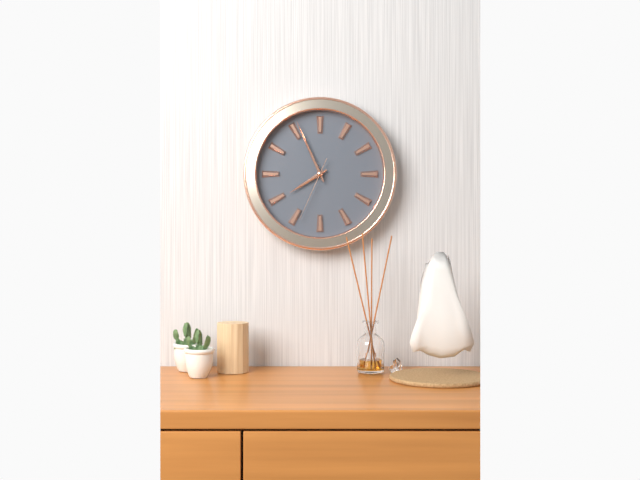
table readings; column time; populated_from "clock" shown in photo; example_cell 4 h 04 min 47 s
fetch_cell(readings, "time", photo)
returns 7 h 56 min 34 s
